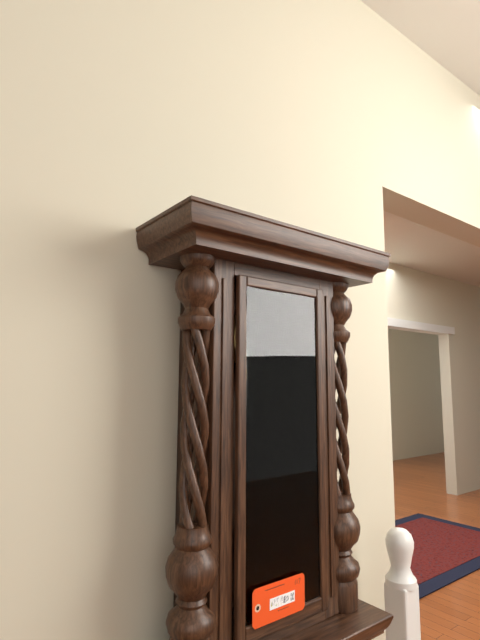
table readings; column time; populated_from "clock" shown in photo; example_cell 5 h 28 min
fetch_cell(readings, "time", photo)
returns 10 h 44 min
